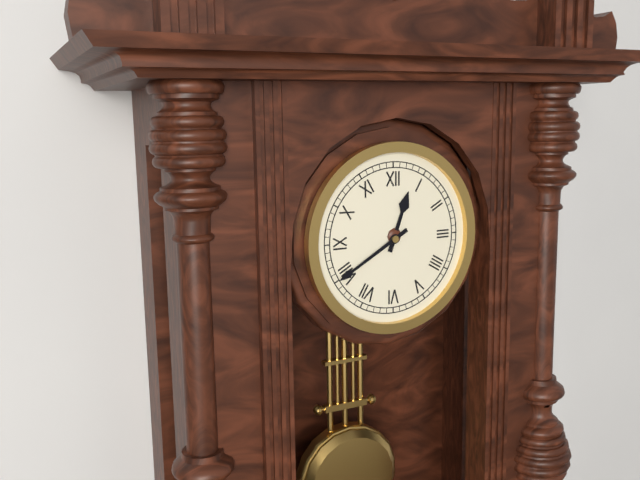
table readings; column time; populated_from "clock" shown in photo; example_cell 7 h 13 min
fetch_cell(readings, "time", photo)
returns 12 h 40 min
